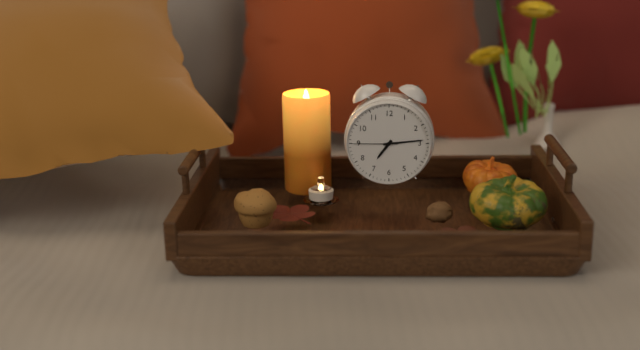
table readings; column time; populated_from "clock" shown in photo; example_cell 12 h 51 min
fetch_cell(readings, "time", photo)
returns 7 h 14 min
